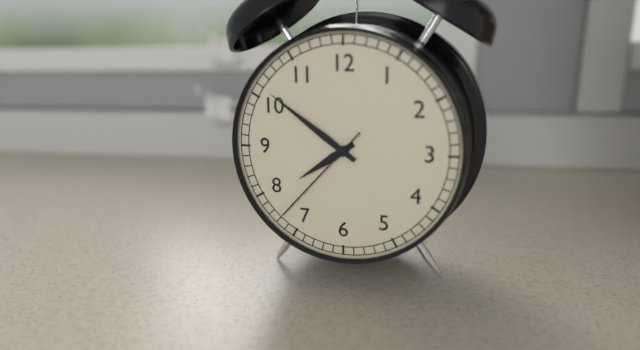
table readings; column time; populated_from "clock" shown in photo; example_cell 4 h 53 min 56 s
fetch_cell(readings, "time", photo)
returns 7 h 51 min 37 s
